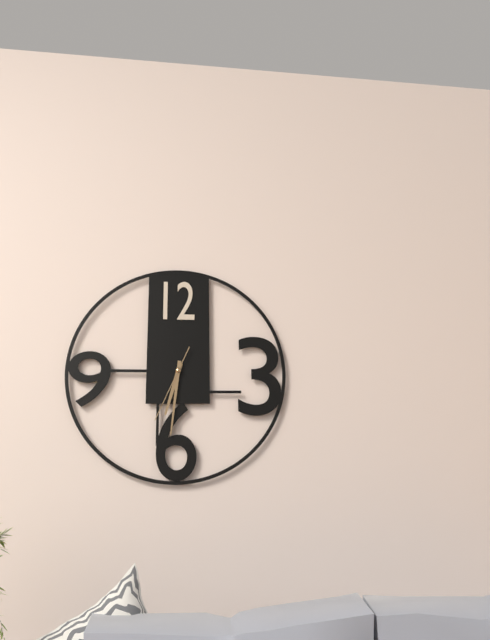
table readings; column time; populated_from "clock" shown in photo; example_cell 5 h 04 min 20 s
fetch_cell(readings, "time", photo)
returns 6 h 31 min 34 s
